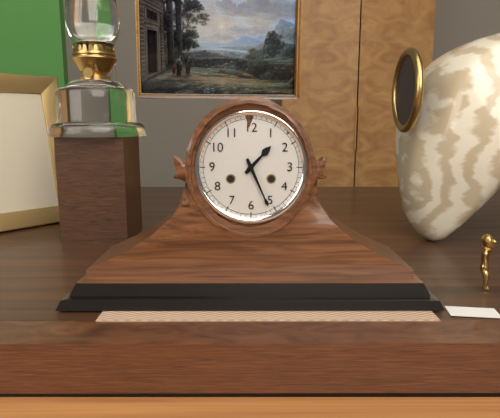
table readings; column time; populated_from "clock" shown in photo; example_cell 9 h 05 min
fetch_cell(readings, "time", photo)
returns 1 h 26 min
